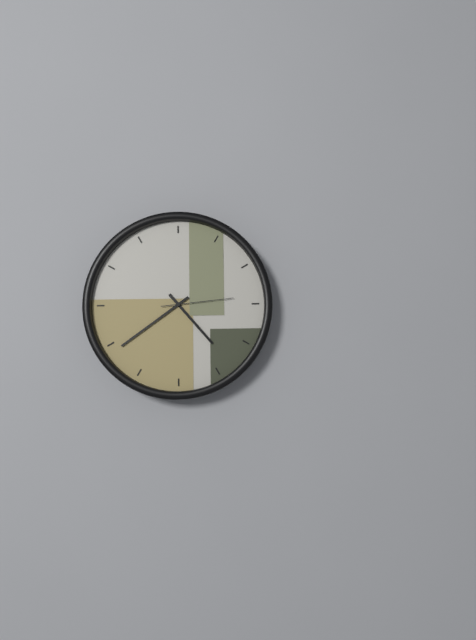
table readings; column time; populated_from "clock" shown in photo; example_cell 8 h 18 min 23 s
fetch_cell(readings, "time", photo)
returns 4 h 39 min 14 s
